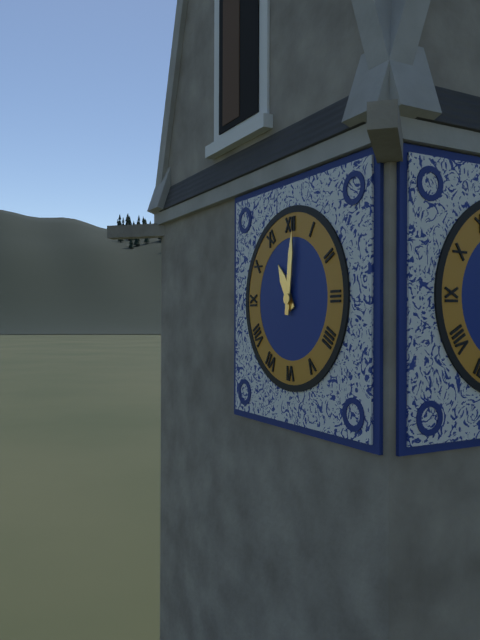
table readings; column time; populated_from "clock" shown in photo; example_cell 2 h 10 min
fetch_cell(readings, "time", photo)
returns 11 h 01 min
